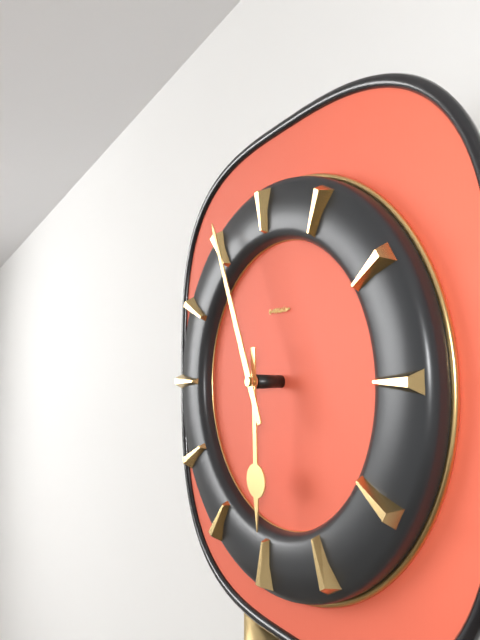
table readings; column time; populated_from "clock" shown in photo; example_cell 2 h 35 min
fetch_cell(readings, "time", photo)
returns 5 h 56 min
